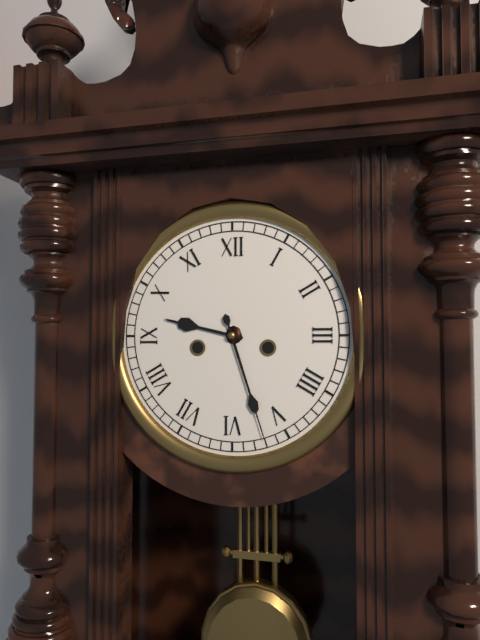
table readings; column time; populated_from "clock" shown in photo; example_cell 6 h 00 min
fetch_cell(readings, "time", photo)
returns 9 h 27 min
